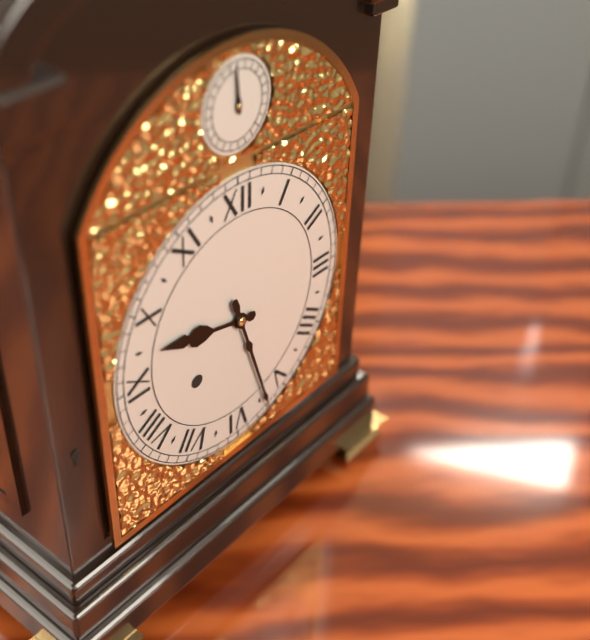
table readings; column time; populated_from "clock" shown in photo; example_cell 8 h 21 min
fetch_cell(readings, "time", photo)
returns 9 h 27 min
